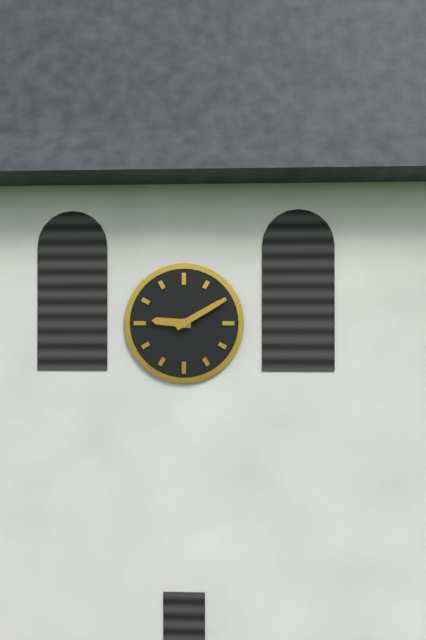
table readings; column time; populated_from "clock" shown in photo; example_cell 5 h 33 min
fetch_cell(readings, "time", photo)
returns 9 h 10 min
